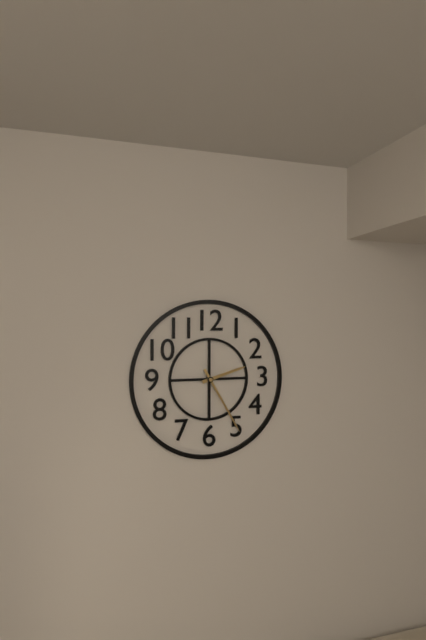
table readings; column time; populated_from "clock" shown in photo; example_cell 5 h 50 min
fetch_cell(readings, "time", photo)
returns 2 h 25 min
